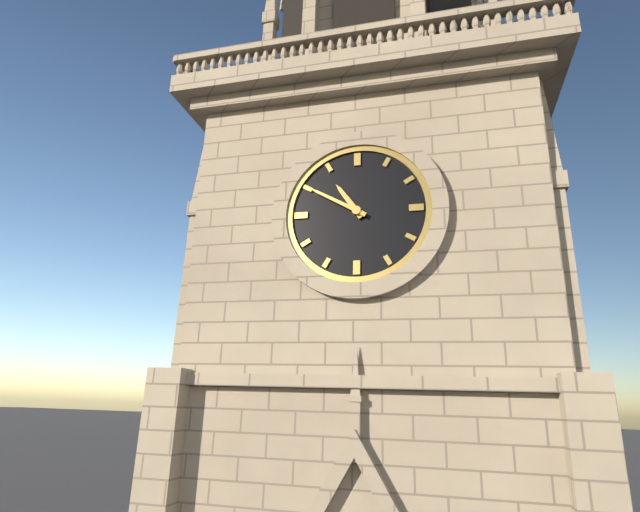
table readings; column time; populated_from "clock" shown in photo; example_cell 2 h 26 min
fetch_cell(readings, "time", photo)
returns 10 h 50 min
